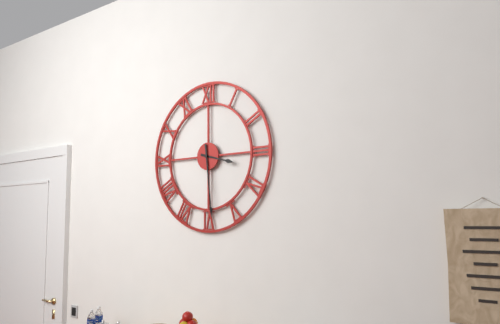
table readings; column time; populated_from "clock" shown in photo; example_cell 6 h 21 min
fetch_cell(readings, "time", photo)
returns 3 h 29 min
